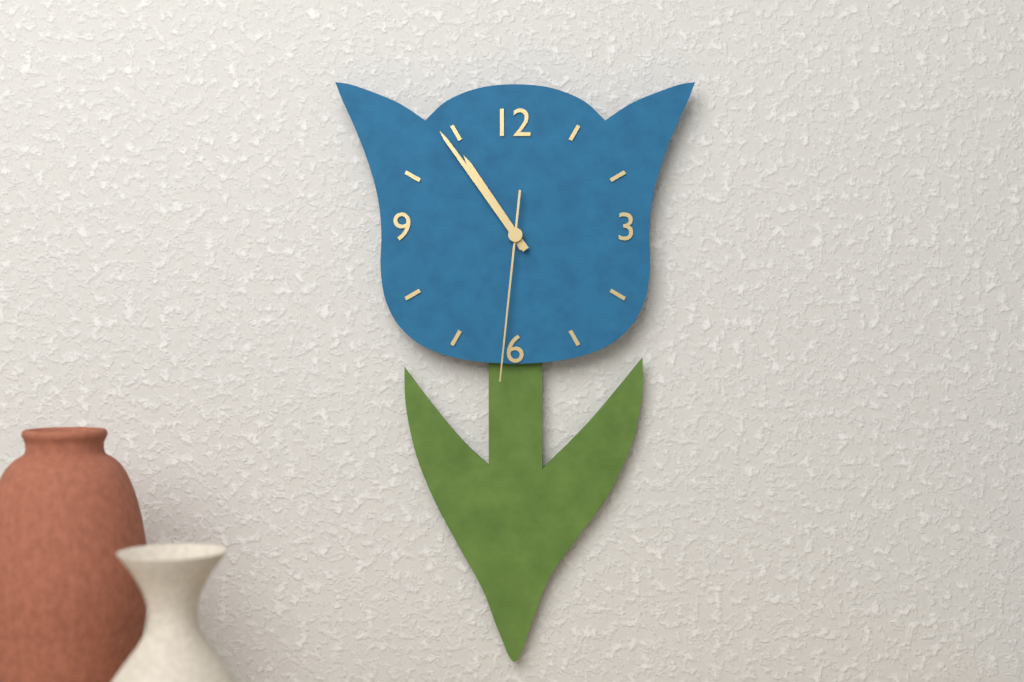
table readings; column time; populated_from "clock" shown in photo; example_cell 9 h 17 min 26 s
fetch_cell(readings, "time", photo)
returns 10 h 54 min 31 s
